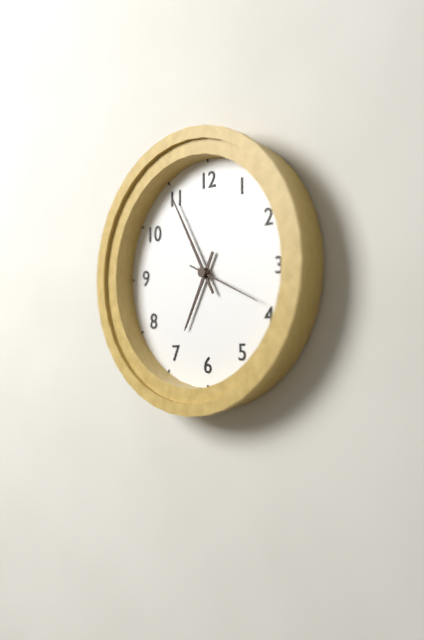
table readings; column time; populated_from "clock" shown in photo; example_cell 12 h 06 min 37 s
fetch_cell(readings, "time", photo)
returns 6 h 55 min 19 s
